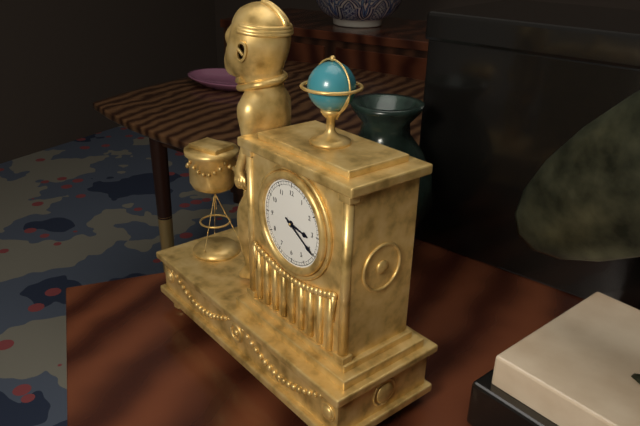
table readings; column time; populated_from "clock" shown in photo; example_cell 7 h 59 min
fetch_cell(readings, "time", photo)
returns 3 h 20 min
